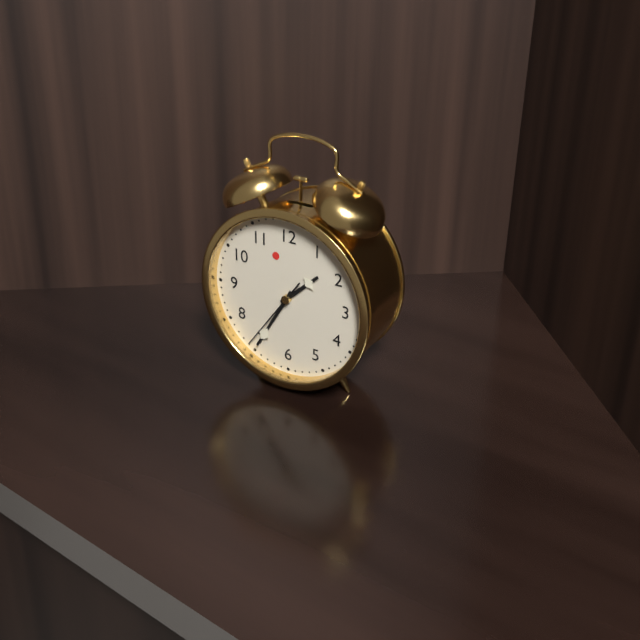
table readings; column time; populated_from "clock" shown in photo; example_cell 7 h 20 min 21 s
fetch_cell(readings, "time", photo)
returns 1 h 35 min 36 s
